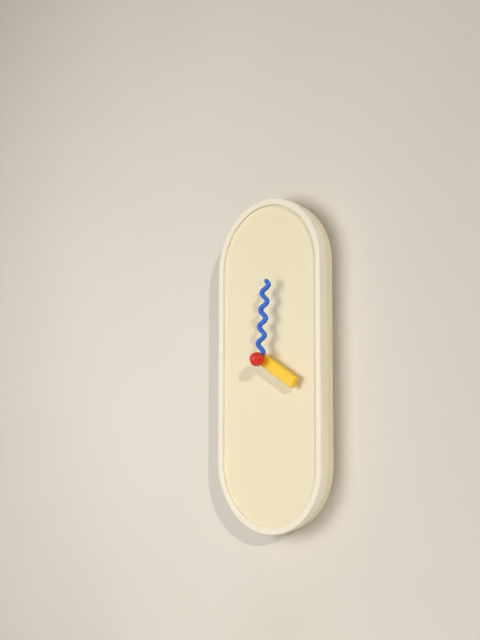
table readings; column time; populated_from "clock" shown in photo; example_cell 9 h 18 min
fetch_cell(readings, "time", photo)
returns 4 h 01 min
